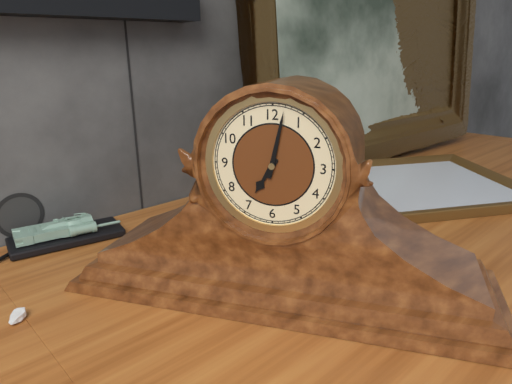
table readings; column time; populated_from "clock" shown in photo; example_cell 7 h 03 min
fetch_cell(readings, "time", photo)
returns 7 h 02 min
